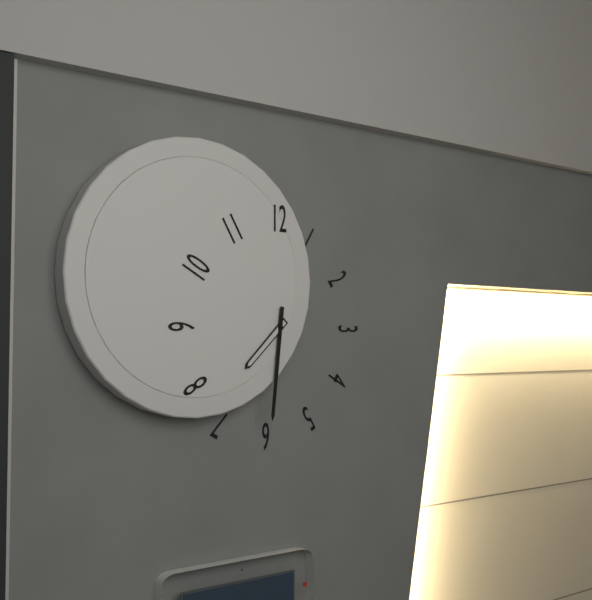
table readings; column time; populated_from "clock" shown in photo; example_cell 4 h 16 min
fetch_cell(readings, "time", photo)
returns 7 h 31 min
